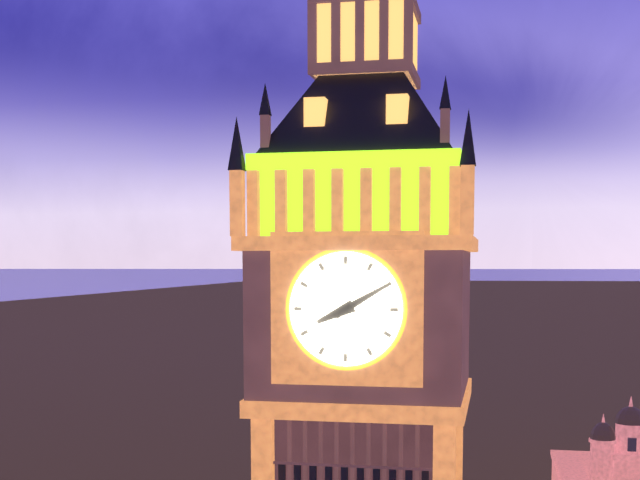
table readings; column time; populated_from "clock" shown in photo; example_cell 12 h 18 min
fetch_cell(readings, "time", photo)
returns 8 h 10 min
